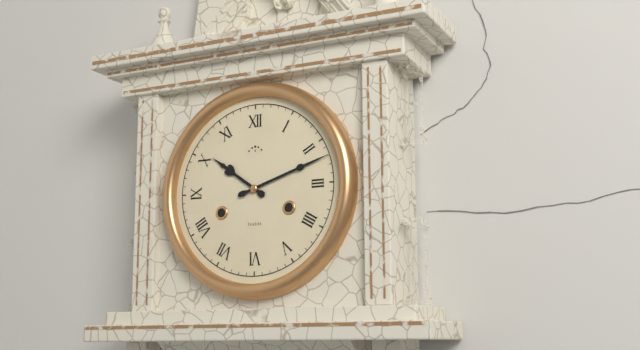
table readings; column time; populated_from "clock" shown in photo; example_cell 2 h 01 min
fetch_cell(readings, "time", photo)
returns 10 h 12 min
